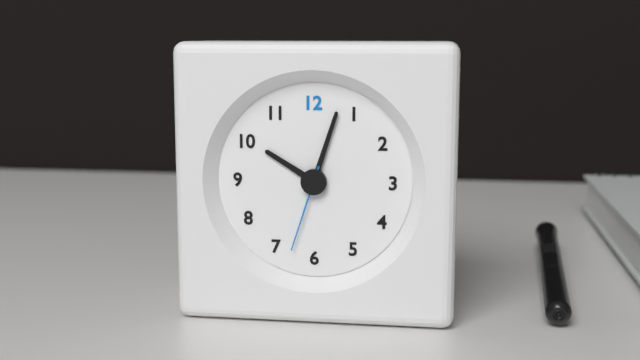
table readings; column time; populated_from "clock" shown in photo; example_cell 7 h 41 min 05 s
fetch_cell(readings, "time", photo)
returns 10 h 03 min 33 s
